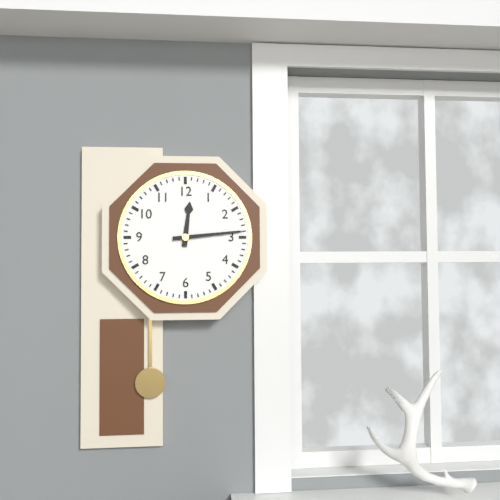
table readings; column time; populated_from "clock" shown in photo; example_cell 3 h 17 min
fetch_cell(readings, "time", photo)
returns 12 h 14 min
